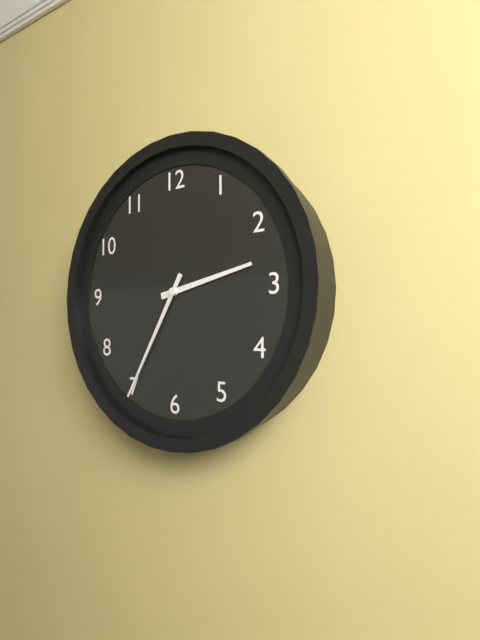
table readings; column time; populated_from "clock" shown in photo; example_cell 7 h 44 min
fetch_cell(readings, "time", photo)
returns 2 h 35 min
